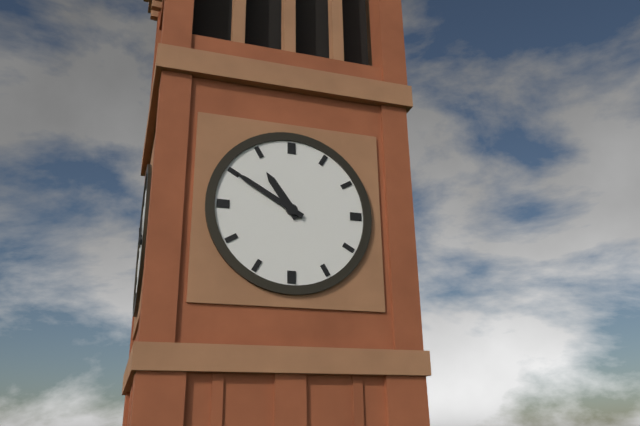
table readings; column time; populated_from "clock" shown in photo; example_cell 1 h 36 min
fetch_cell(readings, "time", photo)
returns 10 h 50 min
